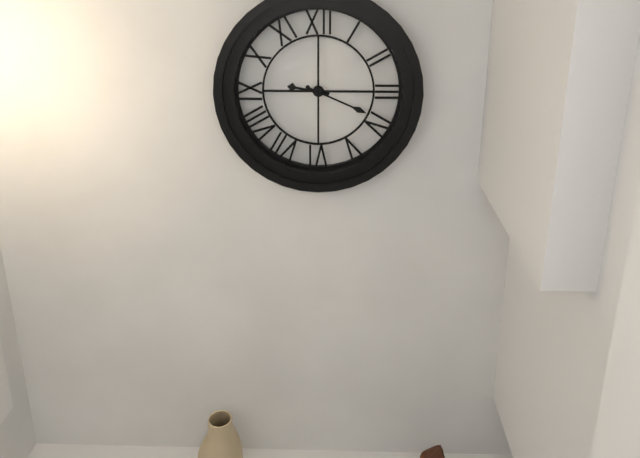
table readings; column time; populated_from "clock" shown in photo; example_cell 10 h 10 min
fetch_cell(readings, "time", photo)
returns 9 h 19 min
